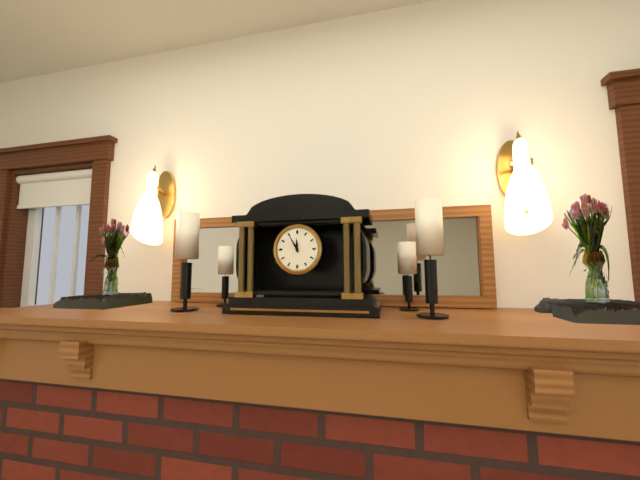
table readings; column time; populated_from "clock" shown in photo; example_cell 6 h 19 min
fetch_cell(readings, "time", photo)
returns 11 h 55 min
